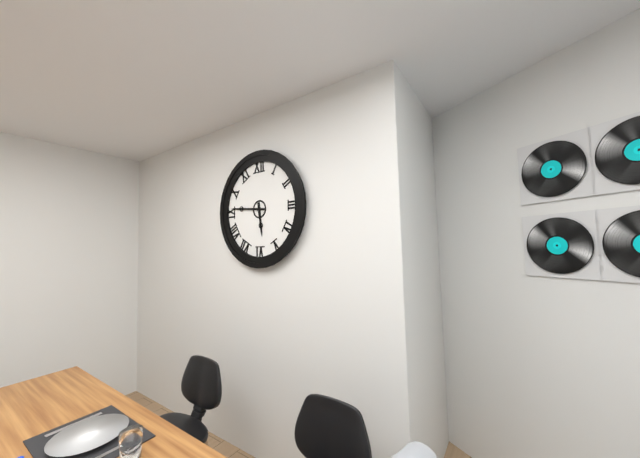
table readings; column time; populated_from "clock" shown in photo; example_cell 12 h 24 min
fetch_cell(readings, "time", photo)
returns 5 h 46 min
